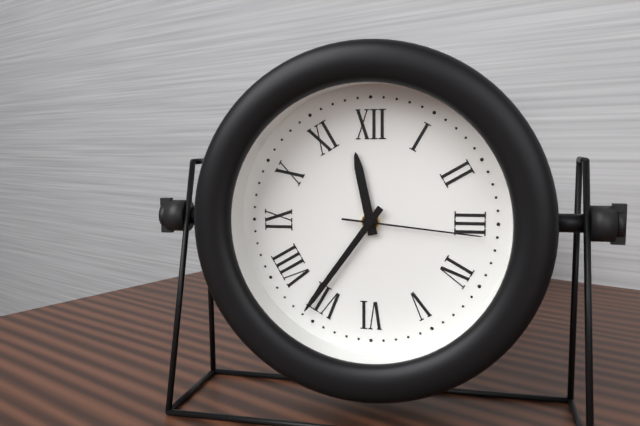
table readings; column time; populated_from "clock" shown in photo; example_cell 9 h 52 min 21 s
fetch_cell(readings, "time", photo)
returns 11 h 36 min 16 s
